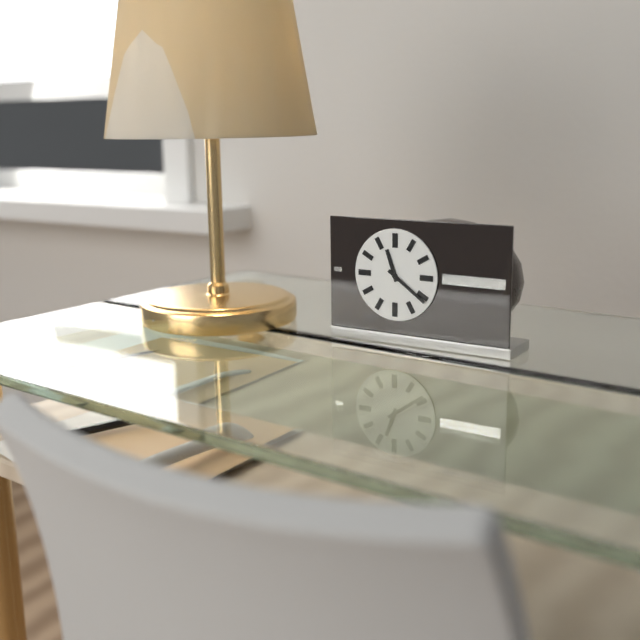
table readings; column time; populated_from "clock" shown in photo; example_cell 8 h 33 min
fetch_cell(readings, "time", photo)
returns 11 h 21 min
